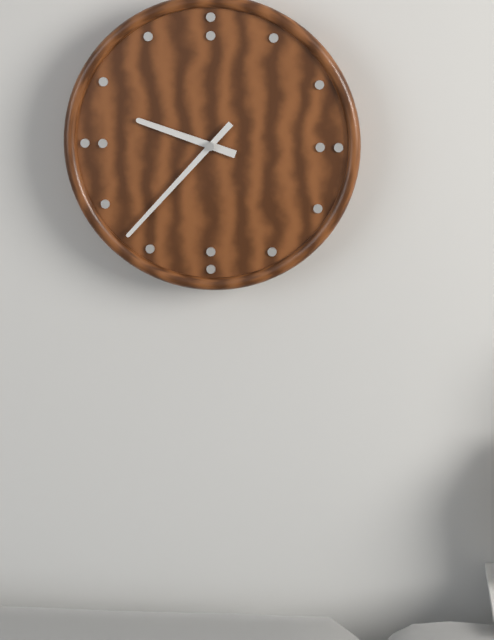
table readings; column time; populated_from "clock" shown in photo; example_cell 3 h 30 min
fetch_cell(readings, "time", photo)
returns 9 h 37 min
